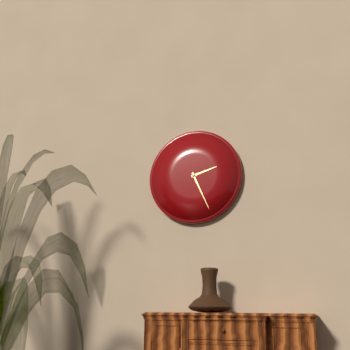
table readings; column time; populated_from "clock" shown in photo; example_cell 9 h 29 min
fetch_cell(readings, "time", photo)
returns 2 h 26 min
